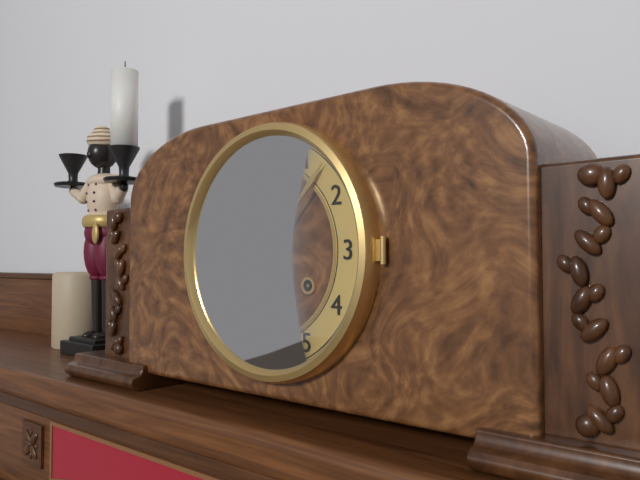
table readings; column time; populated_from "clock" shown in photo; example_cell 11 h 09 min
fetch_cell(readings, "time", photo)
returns 10 h 07 min
